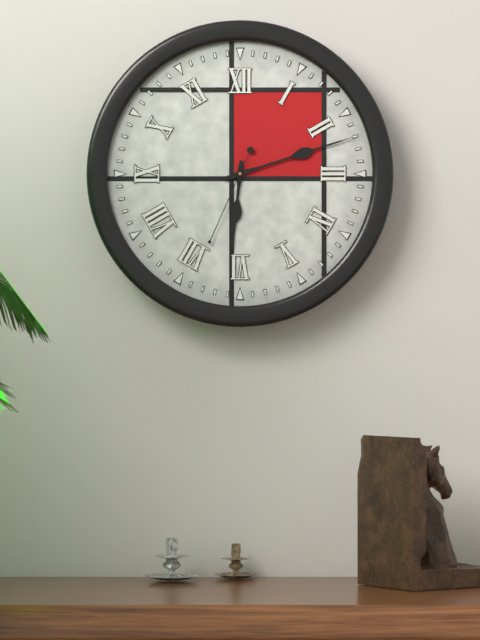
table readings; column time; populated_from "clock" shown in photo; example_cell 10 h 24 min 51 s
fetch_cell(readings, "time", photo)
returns 6 h 12 min 34 s
